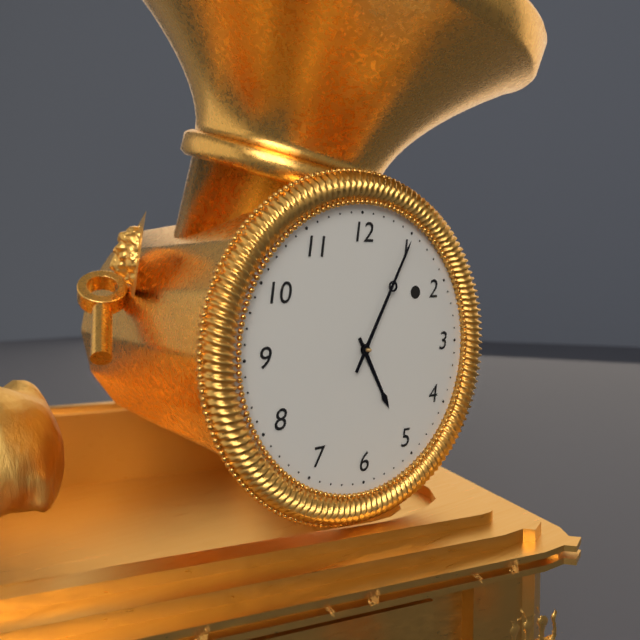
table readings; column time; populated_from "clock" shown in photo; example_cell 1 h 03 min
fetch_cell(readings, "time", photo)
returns 5 h 05 min
